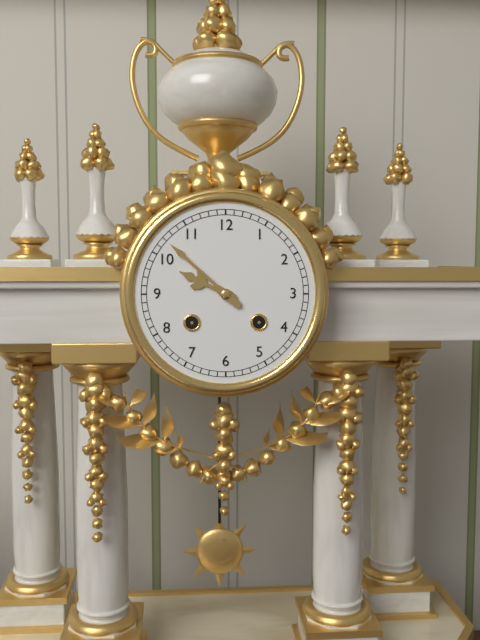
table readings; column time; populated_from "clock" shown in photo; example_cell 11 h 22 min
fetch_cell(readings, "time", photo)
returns 9 h 52 min
